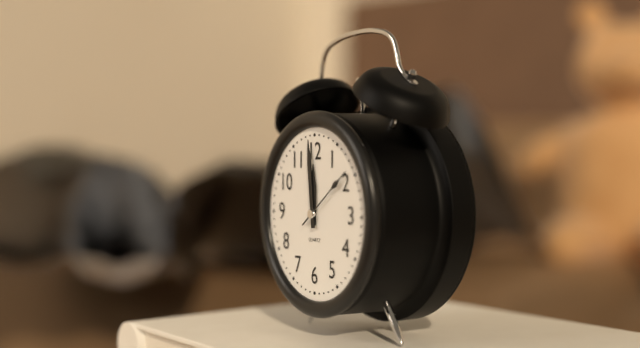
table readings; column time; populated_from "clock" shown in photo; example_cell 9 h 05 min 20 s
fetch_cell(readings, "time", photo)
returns 11 h 59 min 09 s
